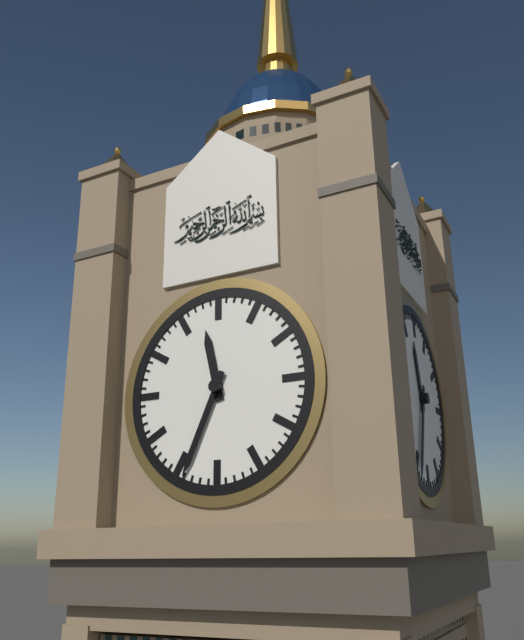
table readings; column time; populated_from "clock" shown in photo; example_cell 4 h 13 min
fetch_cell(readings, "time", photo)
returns 11 h 34 min
